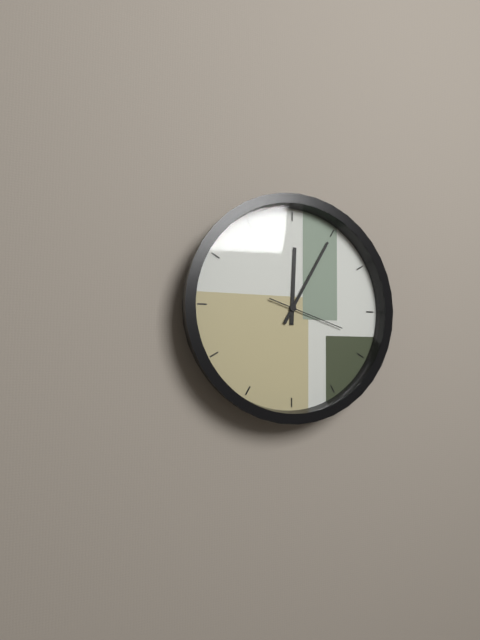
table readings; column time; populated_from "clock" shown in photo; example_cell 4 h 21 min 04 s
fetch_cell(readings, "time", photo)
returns 12 h 05 min 18 s
